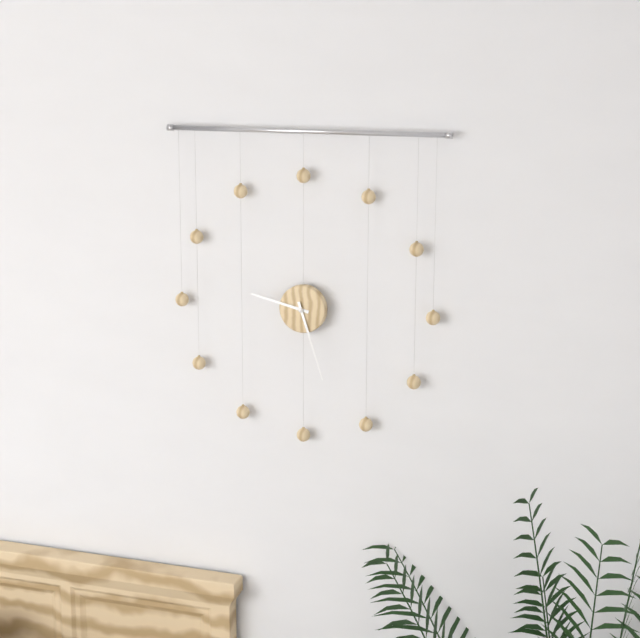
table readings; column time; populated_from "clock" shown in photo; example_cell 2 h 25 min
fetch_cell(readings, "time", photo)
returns 9 h 27 min
